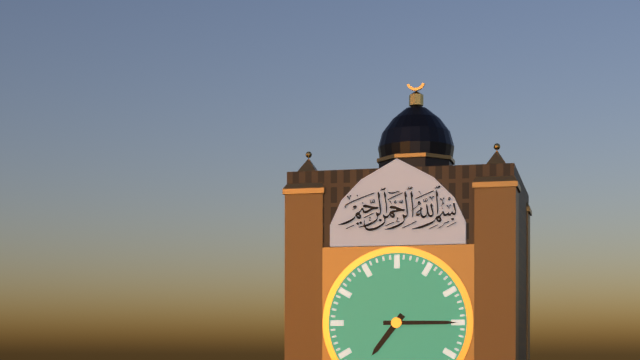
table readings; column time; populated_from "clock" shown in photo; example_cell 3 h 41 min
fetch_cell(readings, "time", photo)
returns 7 h 15 min
